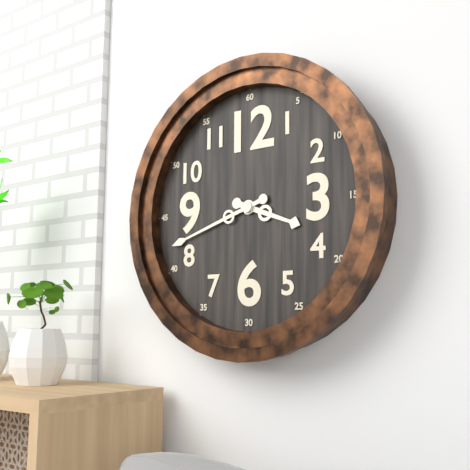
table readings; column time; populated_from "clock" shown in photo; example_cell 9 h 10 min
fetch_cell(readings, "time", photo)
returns 3 h 42 min
